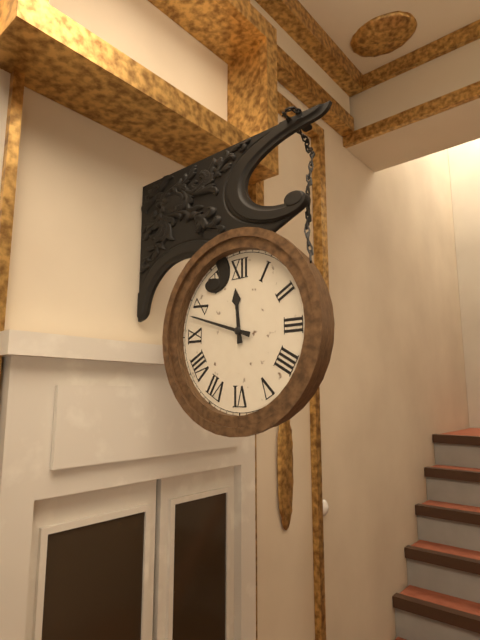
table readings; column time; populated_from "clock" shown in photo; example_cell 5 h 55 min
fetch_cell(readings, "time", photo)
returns 11 h 48 min
